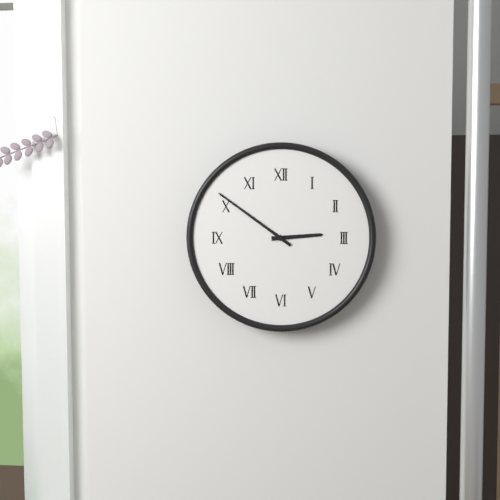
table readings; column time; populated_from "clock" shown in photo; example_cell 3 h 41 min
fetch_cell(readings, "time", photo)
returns 2 h 51 min
